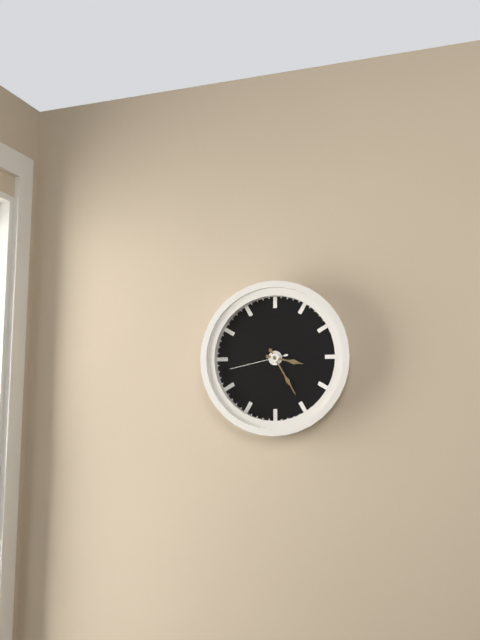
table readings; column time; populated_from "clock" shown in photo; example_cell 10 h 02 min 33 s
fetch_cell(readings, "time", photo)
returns 3 h 25 min 43 s
